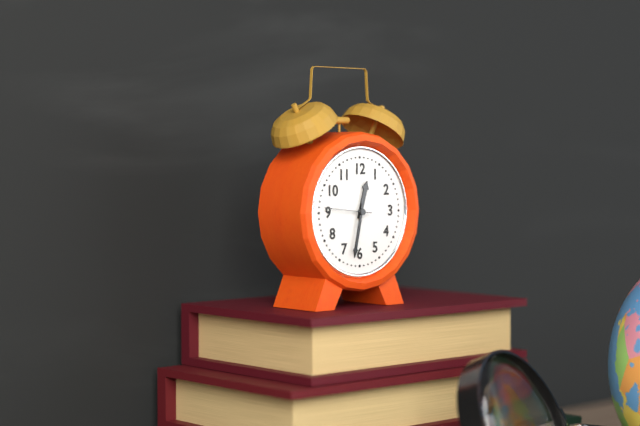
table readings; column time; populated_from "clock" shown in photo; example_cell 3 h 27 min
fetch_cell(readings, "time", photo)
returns 12 h 32 min
